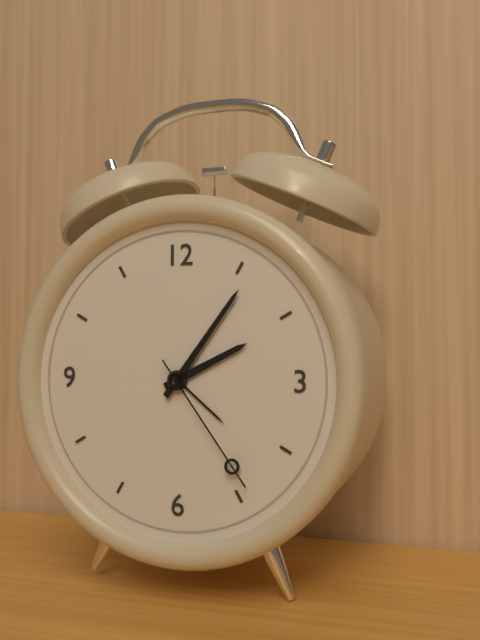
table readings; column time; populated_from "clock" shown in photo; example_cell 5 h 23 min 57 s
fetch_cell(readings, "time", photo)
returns 2 h 06 min 24 s
